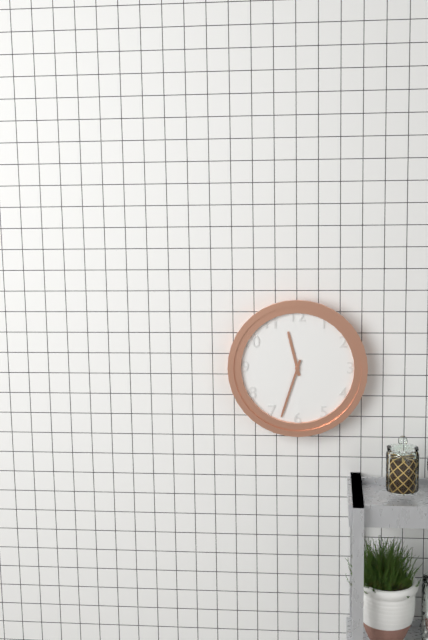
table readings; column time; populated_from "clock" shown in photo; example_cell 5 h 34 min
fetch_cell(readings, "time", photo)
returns 11 h 33 min
